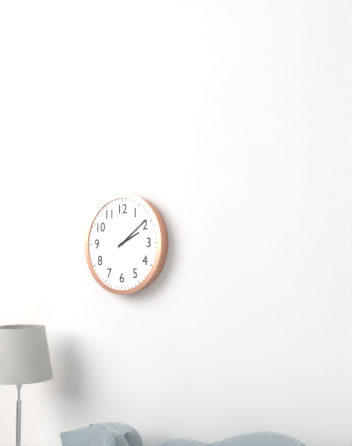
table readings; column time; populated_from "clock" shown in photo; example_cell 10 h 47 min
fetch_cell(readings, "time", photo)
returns 2 h 09 min
